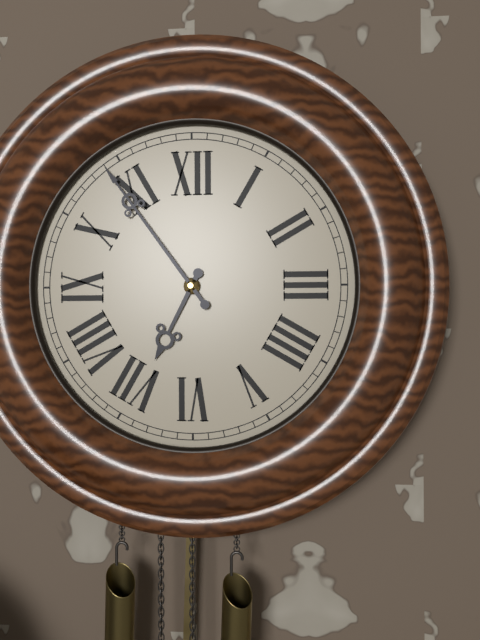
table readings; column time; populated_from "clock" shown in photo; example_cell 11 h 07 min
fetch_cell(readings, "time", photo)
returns 6 h 54 min
